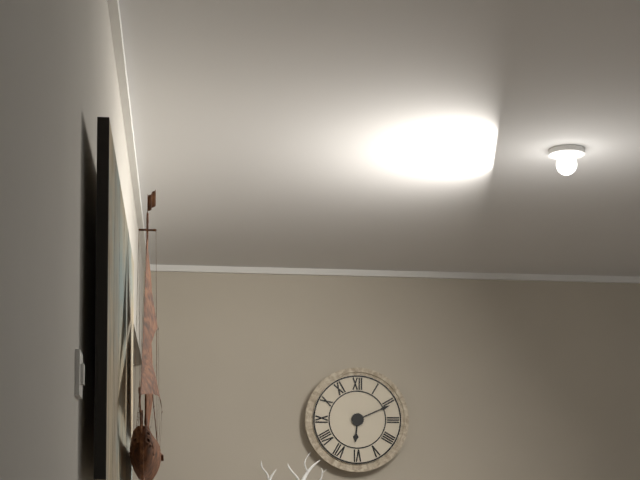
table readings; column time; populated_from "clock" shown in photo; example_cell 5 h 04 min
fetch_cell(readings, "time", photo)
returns 6 h 11 min
